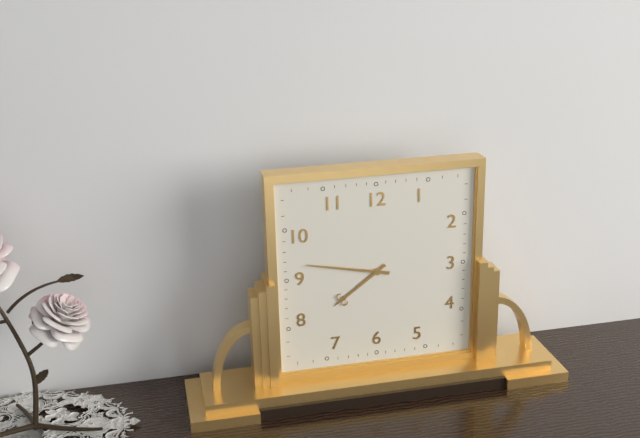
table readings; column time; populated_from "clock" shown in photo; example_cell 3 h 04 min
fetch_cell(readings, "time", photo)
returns 7 h 47 min
